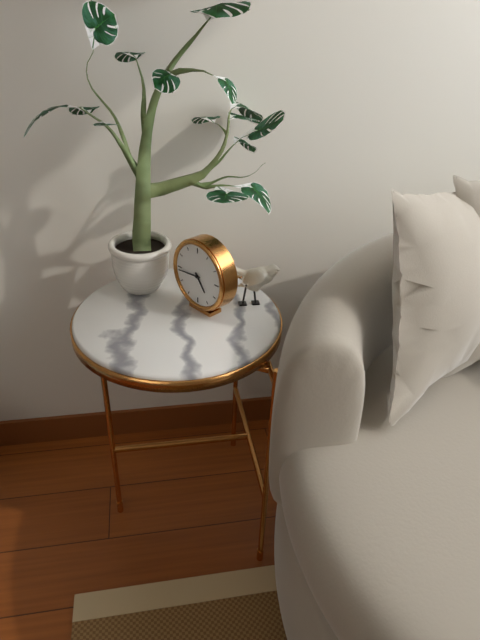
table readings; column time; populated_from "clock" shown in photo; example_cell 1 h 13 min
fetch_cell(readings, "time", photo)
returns 4 h 44 min
